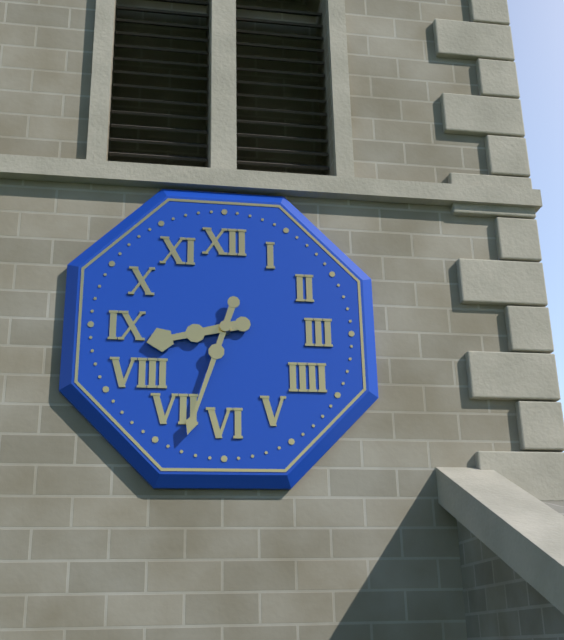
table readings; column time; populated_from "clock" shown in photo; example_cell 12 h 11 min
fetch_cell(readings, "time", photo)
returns 8 h 33 min
